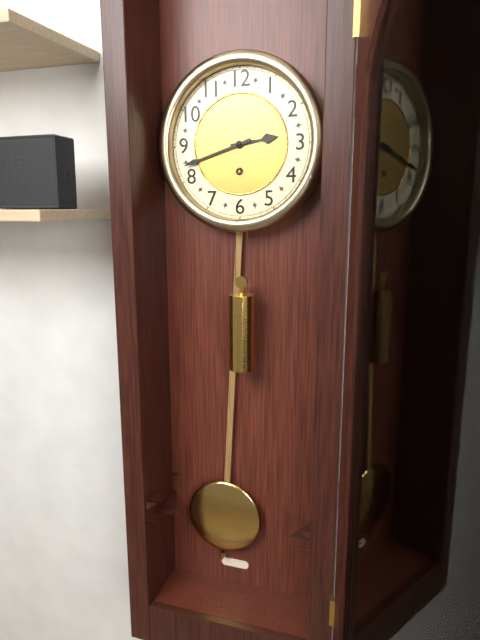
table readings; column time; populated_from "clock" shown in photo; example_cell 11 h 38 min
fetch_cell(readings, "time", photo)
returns 2 h 42 min
